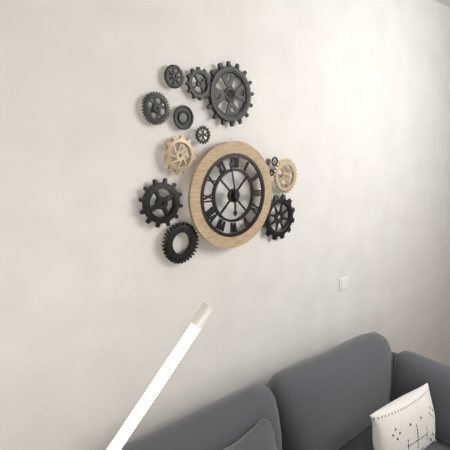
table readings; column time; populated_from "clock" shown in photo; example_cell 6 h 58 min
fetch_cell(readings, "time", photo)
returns 5 h 58 min
